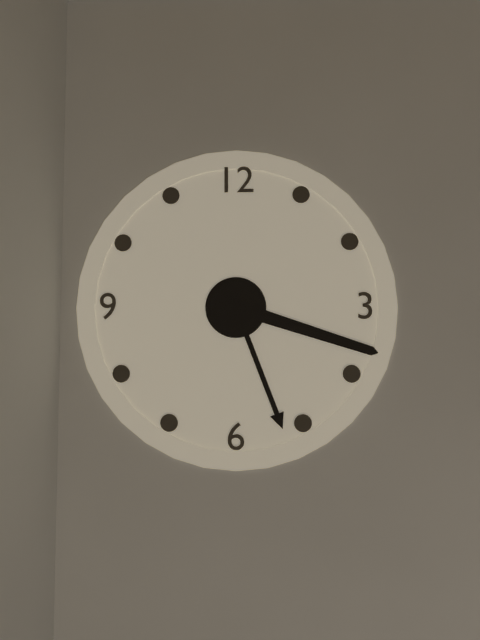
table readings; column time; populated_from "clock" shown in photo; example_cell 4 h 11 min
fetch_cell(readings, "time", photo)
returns 5 h 18 min
